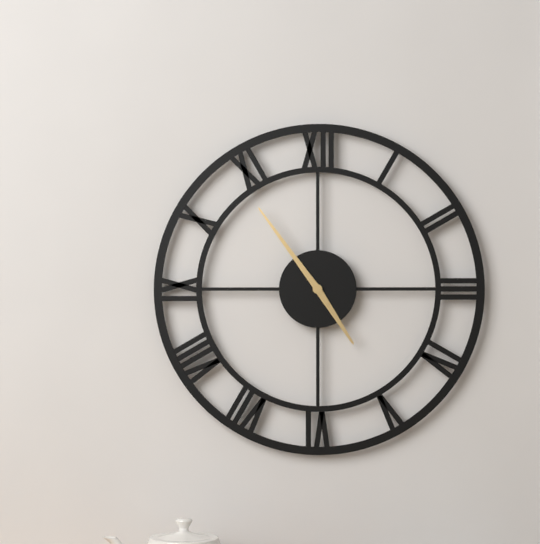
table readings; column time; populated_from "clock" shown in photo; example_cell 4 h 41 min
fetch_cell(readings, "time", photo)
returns 4 h 54 min
